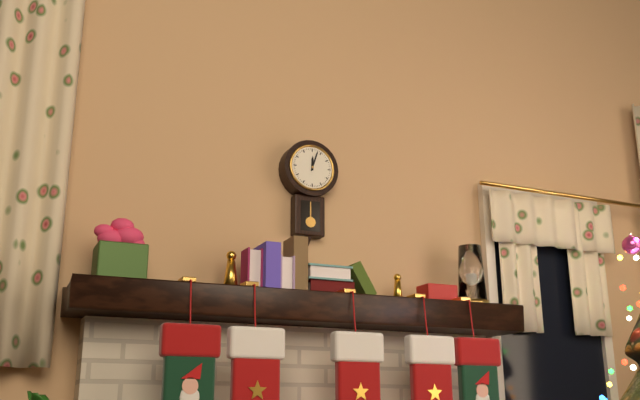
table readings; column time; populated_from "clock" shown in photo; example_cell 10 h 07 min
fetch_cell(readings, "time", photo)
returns 12 h 03 min
